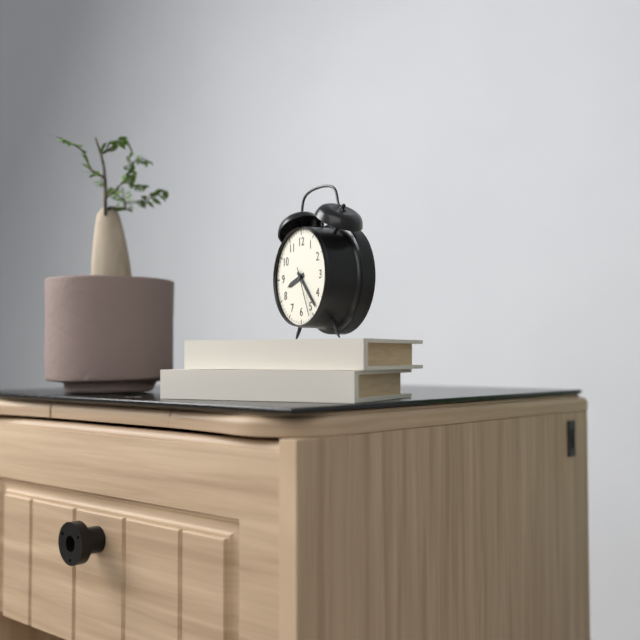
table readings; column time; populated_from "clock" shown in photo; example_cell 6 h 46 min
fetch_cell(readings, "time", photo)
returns 8 h 23 min
